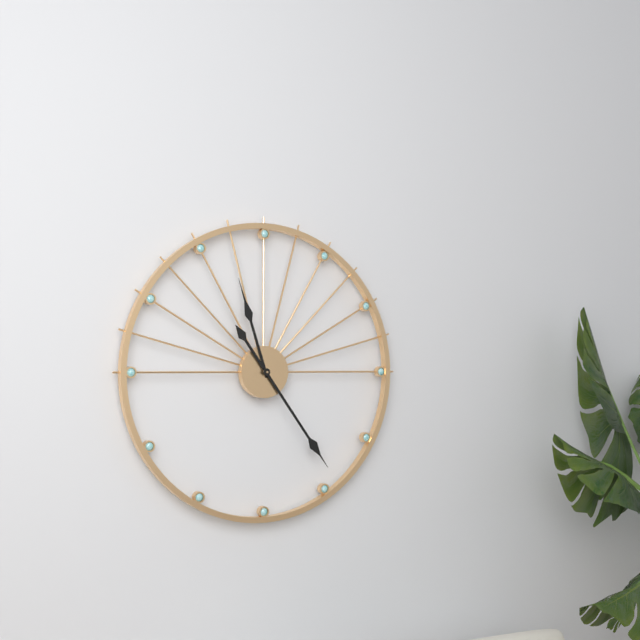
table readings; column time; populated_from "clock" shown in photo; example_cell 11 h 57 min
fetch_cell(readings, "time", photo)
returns 11 h 24 min
